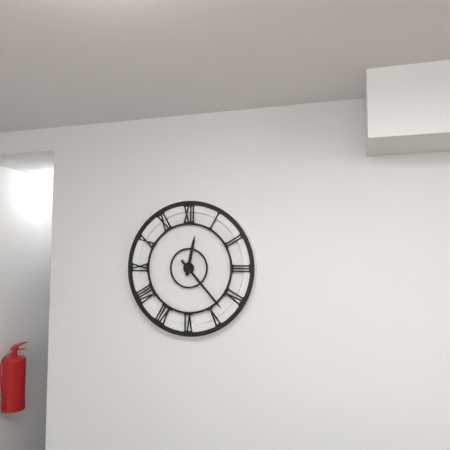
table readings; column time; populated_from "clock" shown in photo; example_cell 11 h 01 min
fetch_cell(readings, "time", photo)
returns 12 h 23 min
